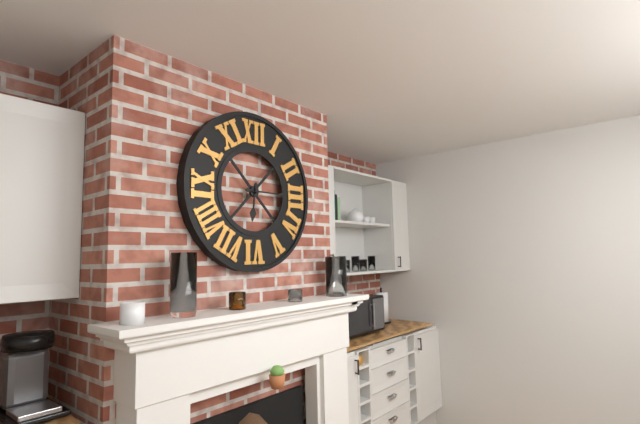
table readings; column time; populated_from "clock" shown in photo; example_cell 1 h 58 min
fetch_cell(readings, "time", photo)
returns 6 h 15 min
